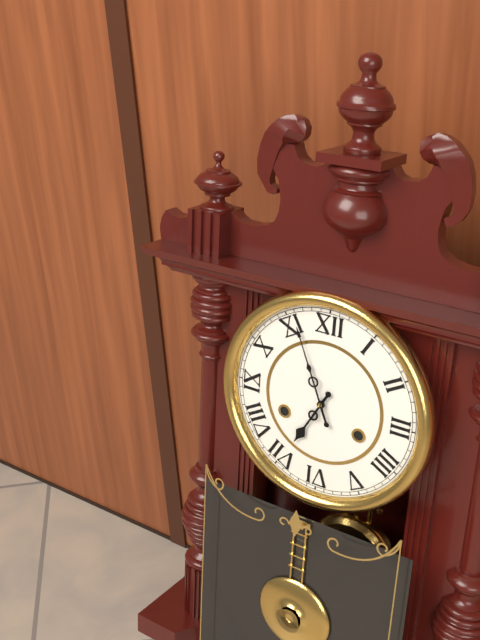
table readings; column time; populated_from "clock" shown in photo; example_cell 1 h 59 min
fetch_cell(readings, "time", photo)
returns 6 h 56 min
